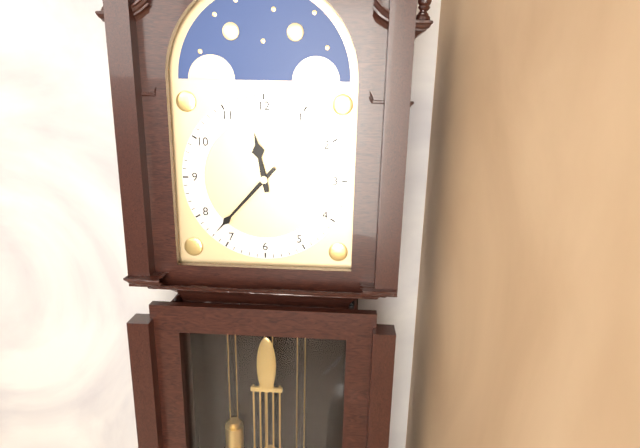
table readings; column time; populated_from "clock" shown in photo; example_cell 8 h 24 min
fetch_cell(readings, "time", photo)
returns 11 h 37 min
